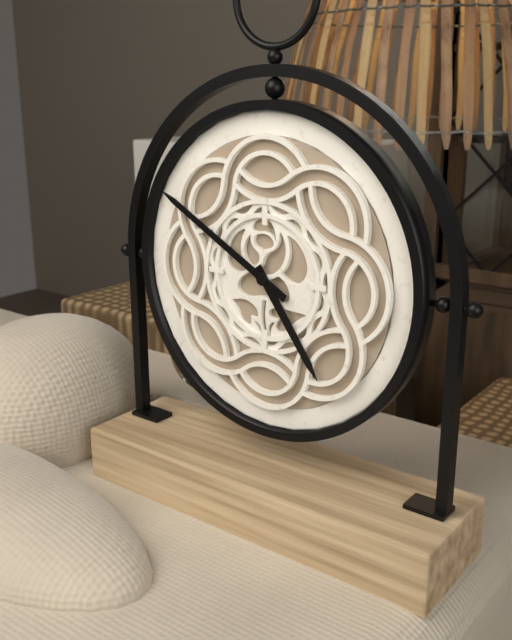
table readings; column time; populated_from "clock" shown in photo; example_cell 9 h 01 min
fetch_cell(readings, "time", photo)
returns 4 h 50 min
